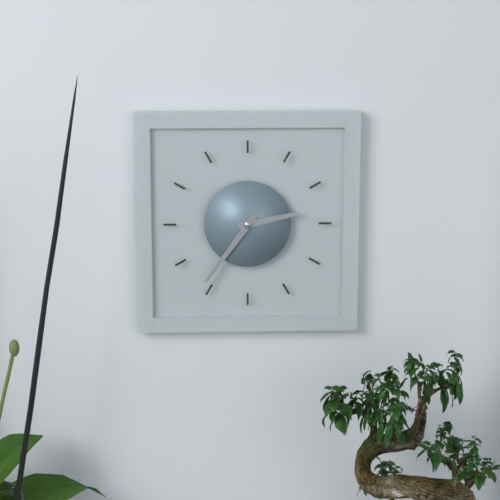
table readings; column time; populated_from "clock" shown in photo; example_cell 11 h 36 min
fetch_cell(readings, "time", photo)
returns 2 h 36 min
